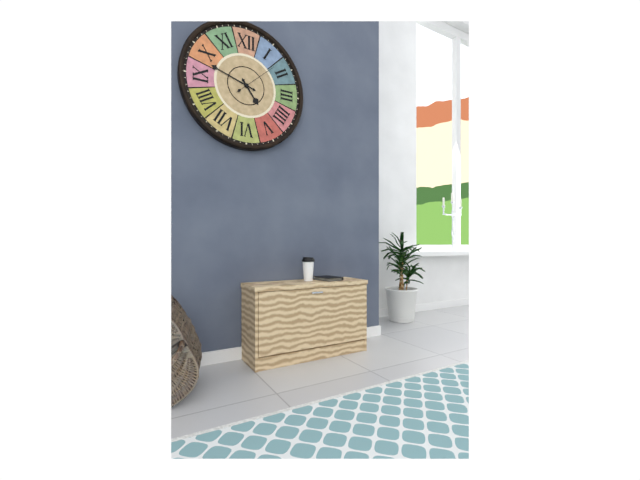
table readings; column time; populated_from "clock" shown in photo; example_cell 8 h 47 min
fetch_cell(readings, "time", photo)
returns 4 h 48 min
